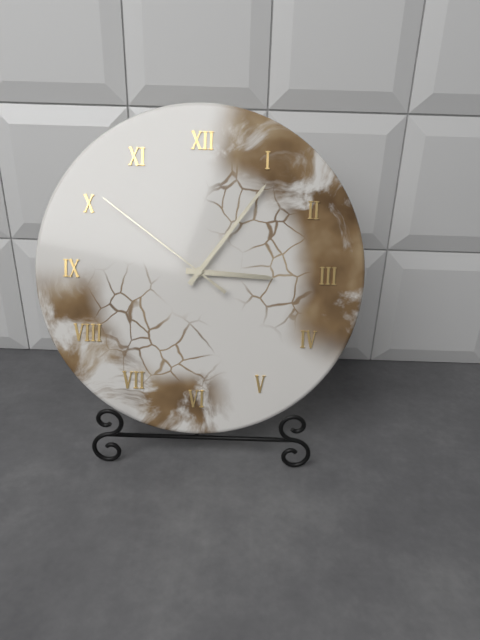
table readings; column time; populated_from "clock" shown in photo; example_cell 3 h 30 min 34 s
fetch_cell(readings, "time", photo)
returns 3 h 06 min 51 s
